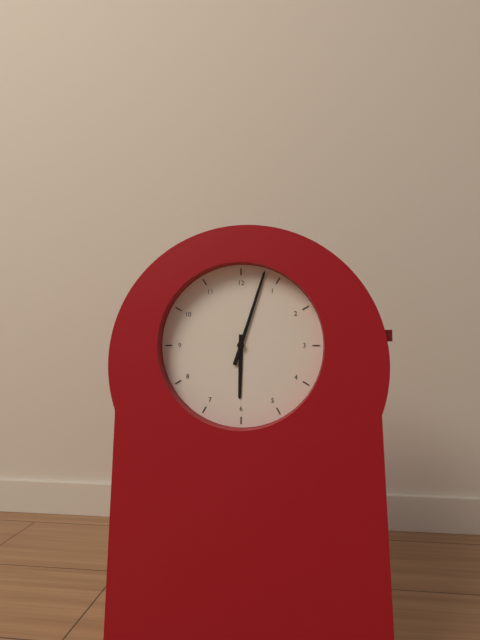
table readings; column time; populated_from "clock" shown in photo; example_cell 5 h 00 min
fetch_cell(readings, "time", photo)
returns 6 h 03 min
